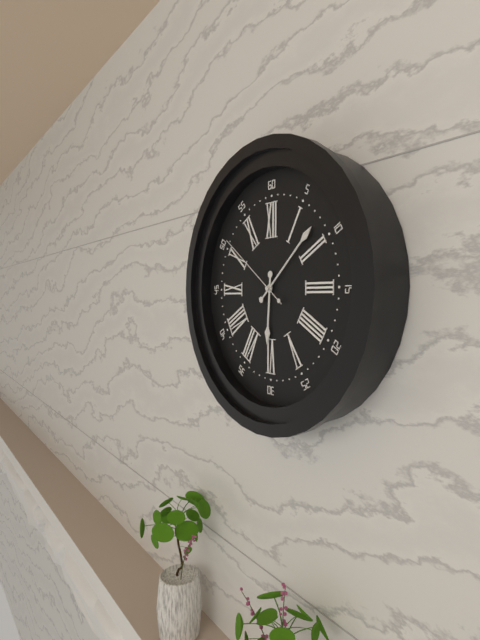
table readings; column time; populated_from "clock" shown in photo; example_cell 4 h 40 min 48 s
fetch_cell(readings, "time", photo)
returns 6 h 08 min 51 s
